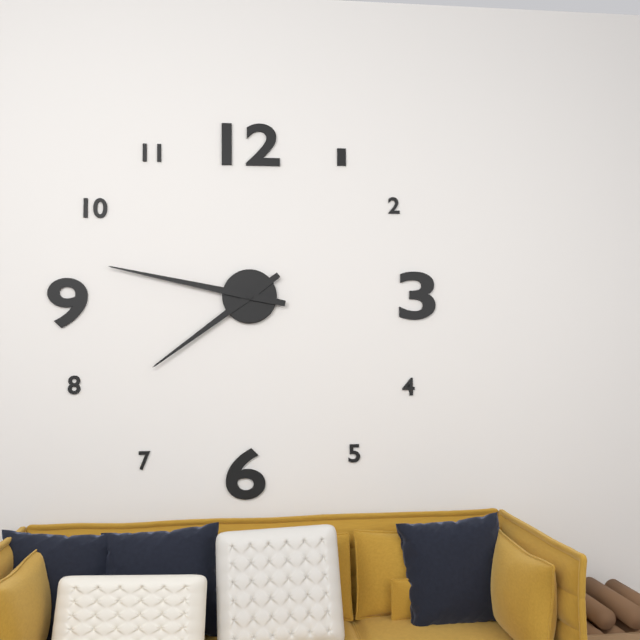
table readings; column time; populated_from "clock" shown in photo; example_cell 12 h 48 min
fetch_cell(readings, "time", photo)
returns 7 h 47 min
